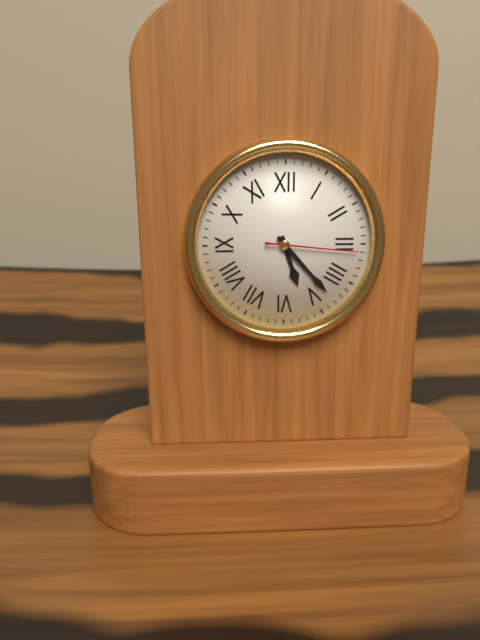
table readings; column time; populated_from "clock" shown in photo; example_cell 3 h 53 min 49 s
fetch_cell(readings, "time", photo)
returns 5 h 23 min 16 s
